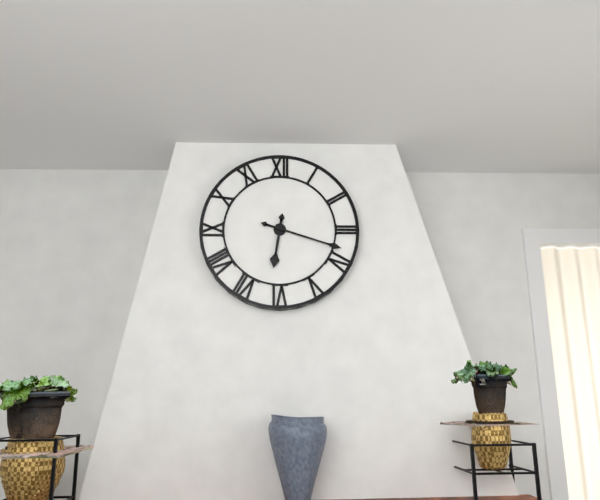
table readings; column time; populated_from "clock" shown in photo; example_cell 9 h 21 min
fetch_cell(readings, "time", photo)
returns 6 h 18 min
